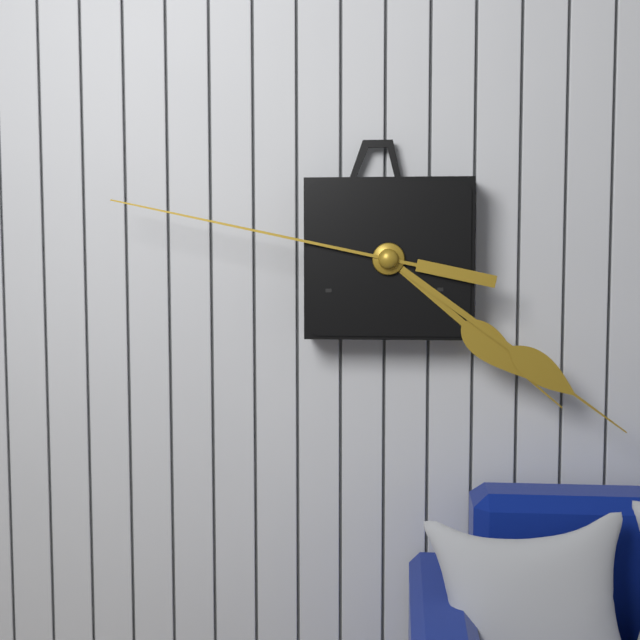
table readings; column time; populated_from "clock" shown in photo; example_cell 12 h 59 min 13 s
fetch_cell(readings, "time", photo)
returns 4 h 21 min 47 s
